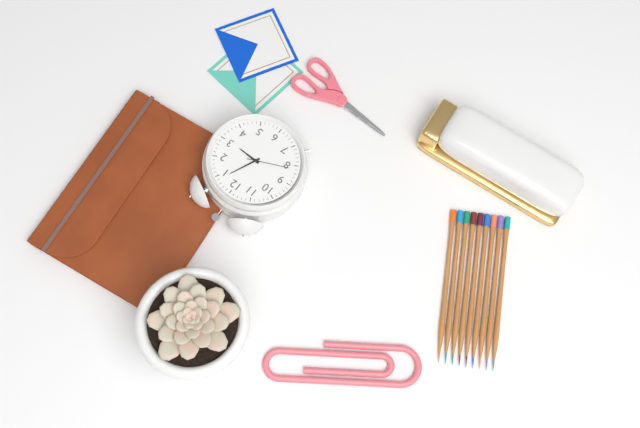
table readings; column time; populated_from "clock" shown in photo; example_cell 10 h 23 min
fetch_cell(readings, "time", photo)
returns 3 h 04 min
